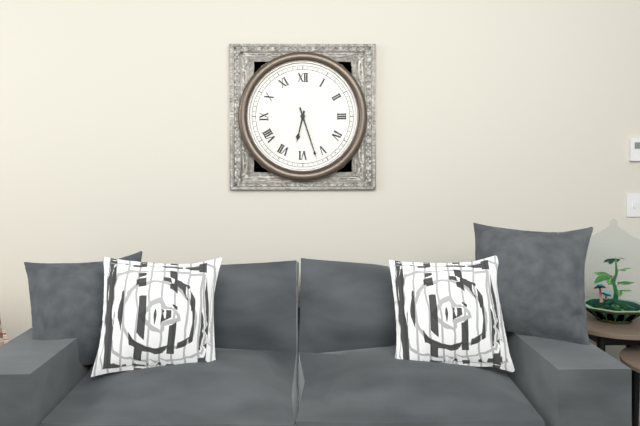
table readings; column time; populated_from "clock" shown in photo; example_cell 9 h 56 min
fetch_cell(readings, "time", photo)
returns 6 h 27 min
